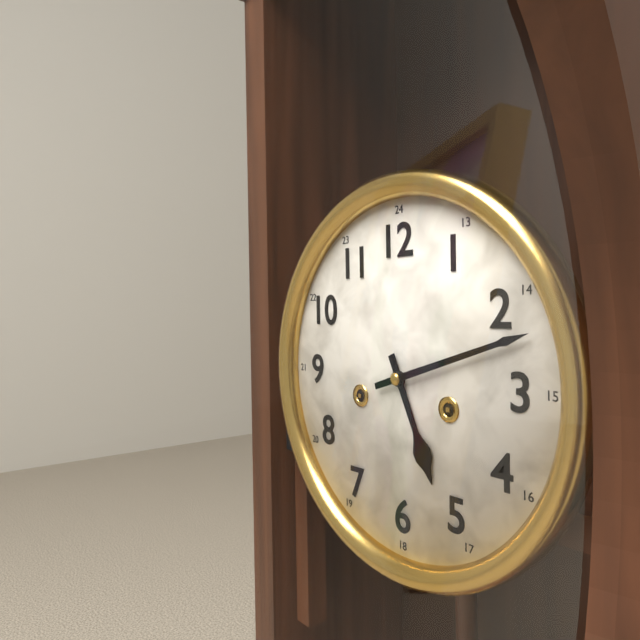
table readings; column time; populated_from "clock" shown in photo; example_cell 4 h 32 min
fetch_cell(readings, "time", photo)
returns 5 h 12 min
